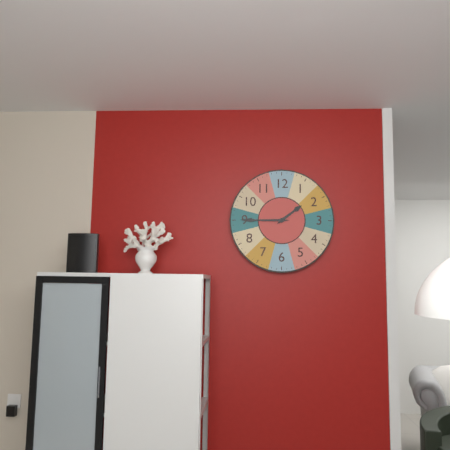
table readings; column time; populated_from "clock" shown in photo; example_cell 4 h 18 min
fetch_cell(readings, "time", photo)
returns 1 h 45 min
